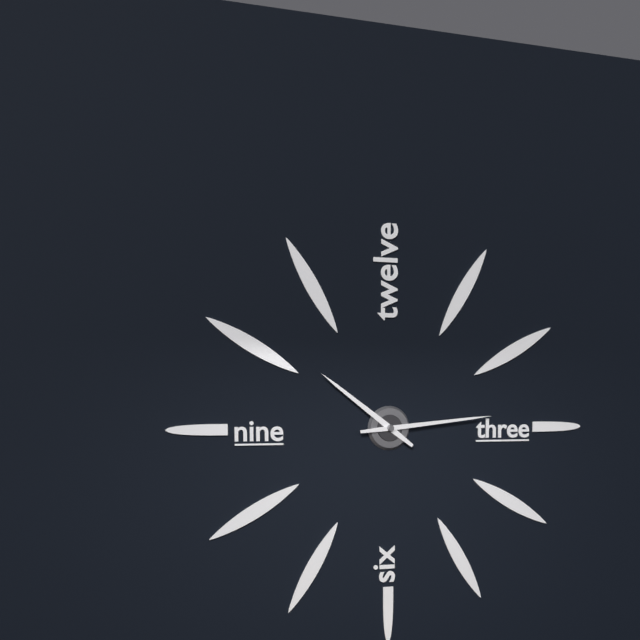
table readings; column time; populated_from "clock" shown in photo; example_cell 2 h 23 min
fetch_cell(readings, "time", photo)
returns 10 h 14 min
